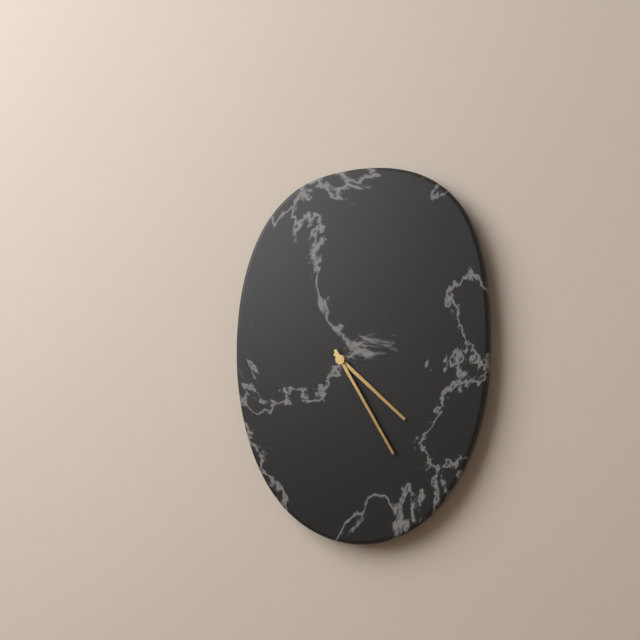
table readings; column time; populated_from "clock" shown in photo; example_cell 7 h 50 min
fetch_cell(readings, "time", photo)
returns 4 h 25 min
